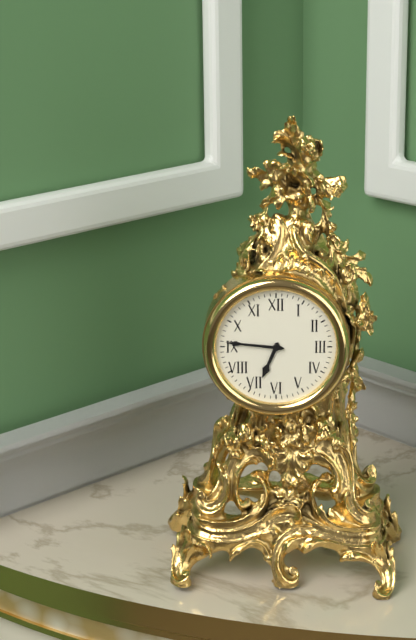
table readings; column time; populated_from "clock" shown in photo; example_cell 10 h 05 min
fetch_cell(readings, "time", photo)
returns 6 h 46 min
